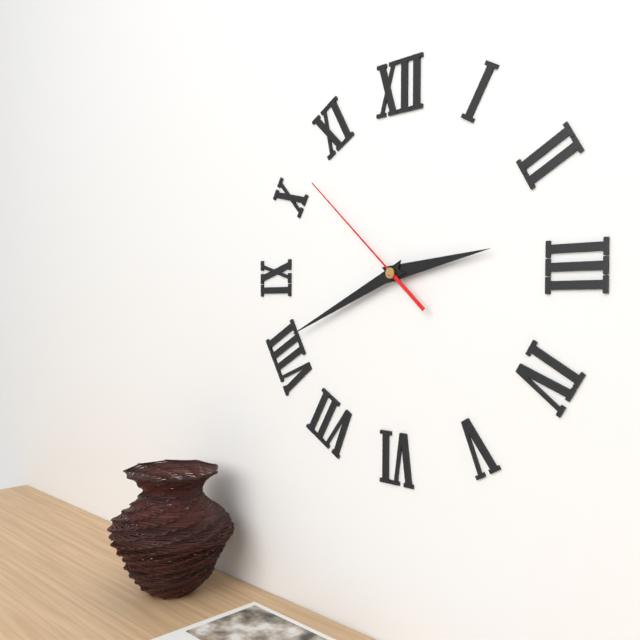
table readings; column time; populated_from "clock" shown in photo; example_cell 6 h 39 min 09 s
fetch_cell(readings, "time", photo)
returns 2 h 41 min 52 s
